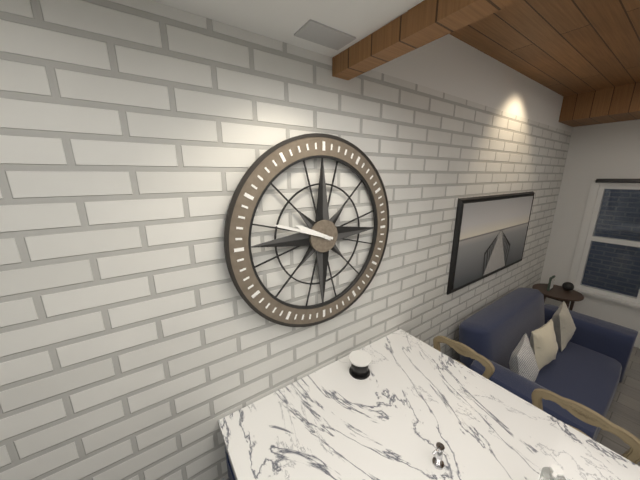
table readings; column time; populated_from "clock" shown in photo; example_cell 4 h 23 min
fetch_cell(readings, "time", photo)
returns 9 h 48 min
